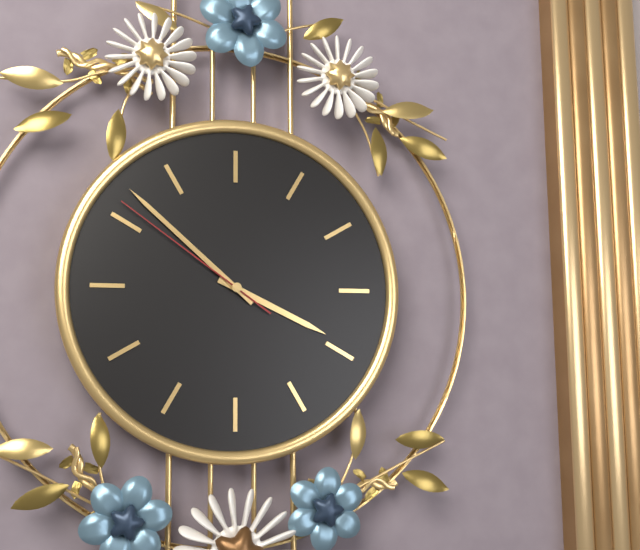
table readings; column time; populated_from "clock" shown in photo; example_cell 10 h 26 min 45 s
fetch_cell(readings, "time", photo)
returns 3 h 52 min 51 s
